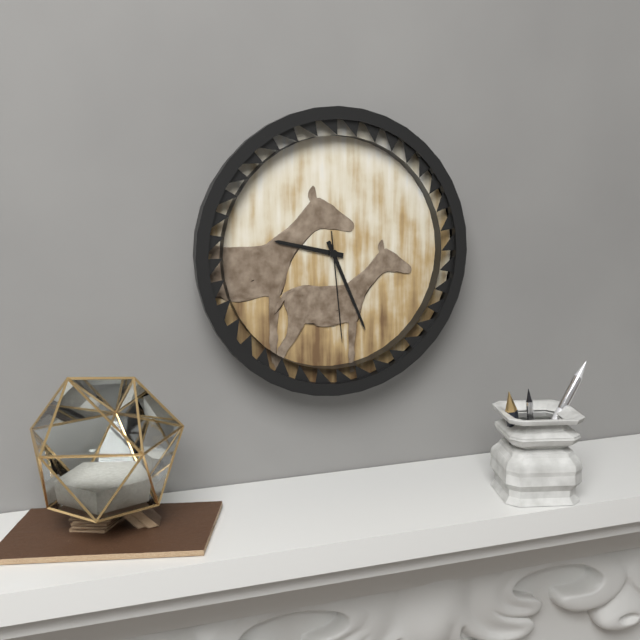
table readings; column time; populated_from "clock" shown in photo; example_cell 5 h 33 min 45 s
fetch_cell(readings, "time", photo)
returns 9 h 26 min 29 s
